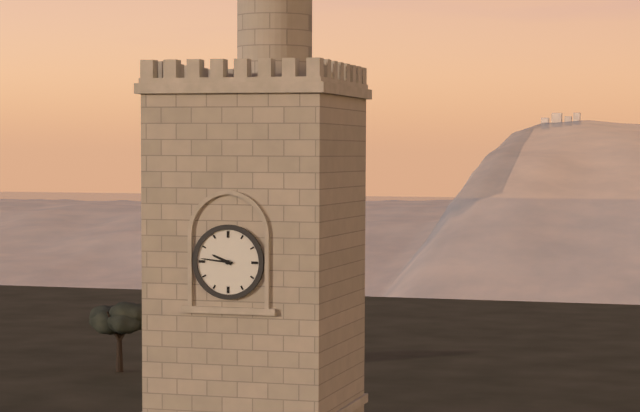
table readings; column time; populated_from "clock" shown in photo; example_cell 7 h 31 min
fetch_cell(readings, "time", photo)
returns 9 h 46 min
